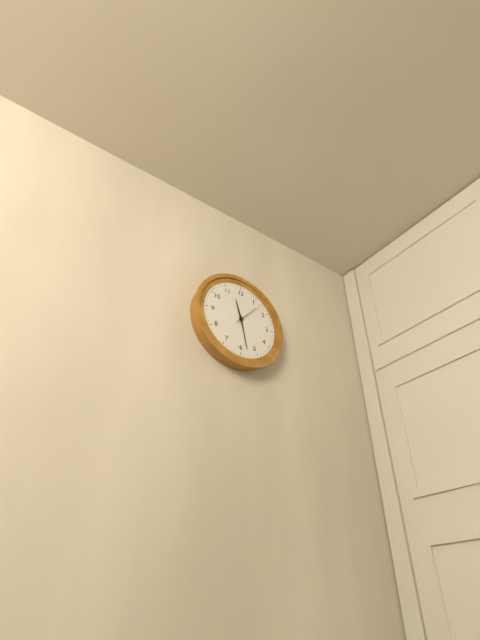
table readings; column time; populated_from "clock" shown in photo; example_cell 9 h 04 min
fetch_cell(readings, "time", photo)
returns 11 h 28 min
